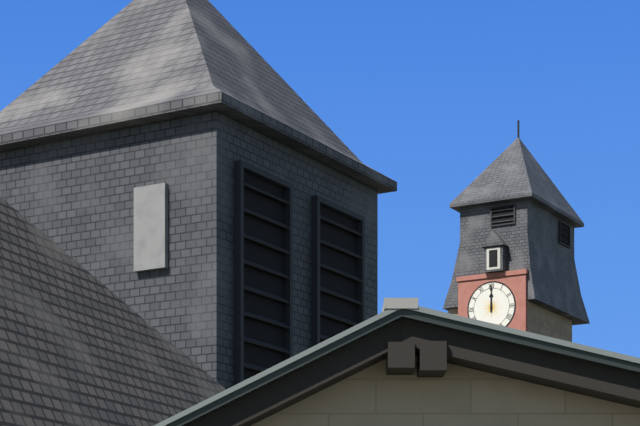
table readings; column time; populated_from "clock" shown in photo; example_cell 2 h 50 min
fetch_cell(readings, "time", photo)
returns 12 h 00 min
